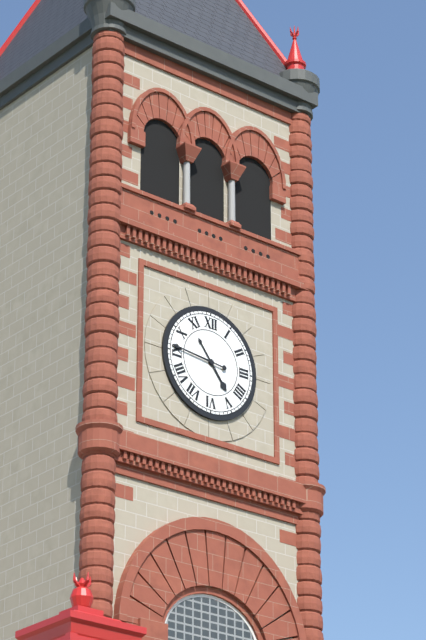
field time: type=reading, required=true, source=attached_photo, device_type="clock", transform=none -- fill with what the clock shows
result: 4:46
